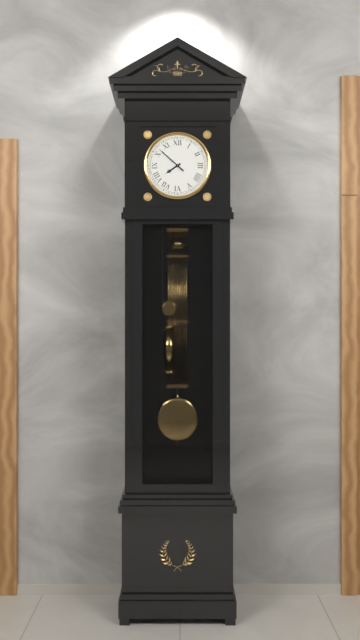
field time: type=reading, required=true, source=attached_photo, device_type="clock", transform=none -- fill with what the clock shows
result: 7:52
